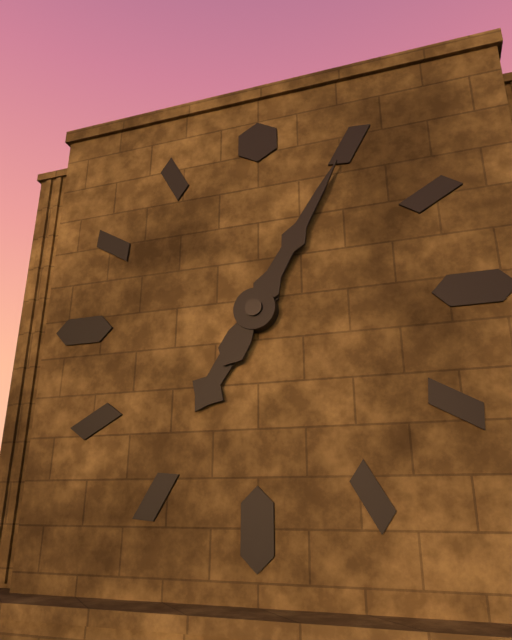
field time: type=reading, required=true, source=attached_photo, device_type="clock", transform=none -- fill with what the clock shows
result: 7:05
